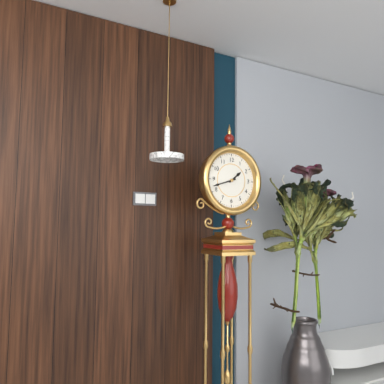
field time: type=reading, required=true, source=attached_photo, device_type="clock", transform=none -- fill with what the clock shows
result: 1:42
